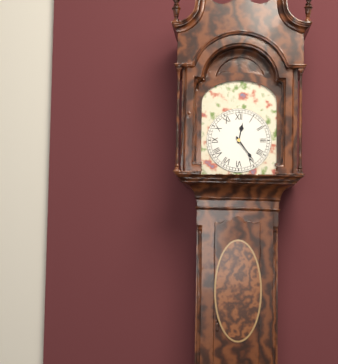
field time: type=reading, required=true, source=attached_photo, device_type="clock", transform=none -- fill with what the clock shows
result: 12:24
